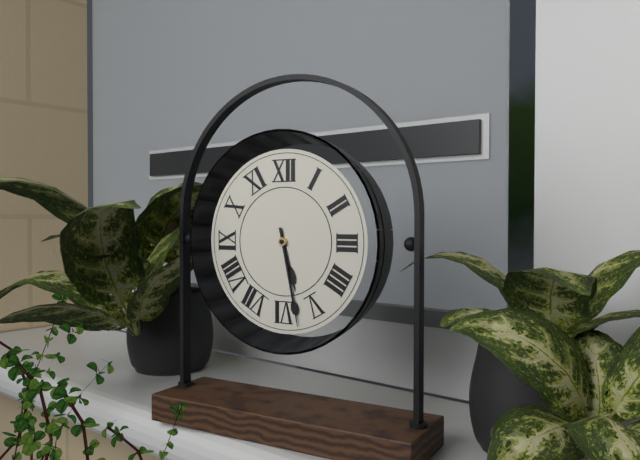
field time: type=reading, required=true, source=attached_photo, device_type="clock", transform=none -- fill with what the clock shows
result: 5:28
